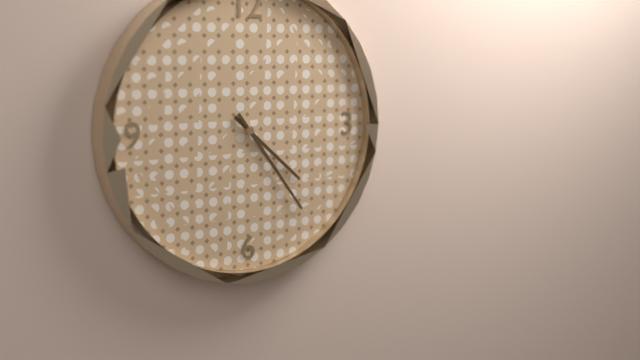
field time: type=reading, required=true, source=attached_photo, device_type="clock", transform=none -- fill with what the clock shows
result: 4:24
